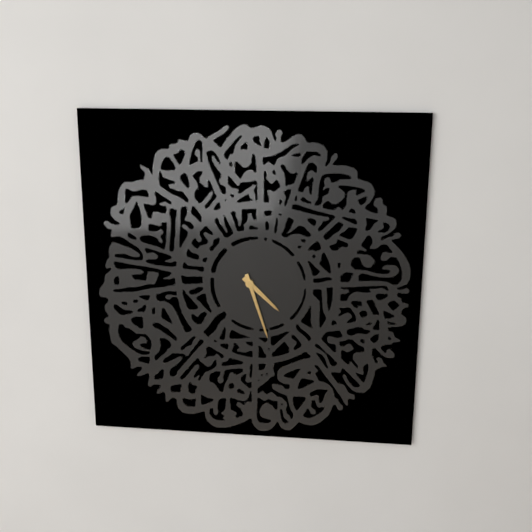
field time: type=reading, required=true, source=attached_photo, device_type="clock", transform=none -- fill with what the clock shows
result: 4:27
